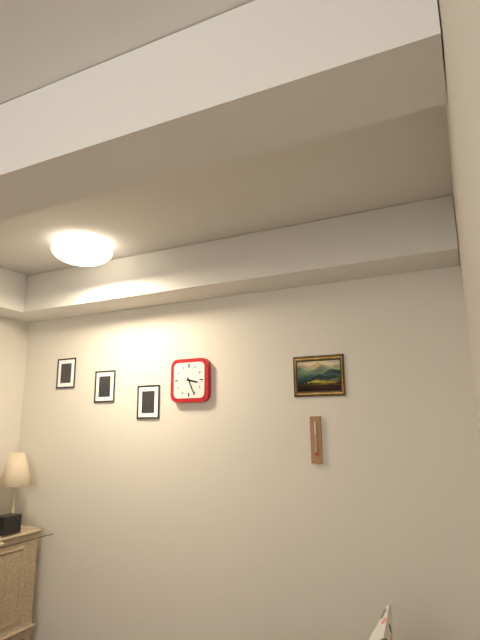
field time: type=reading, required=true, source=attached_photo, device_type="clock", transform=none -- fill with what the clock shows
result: 3:26
